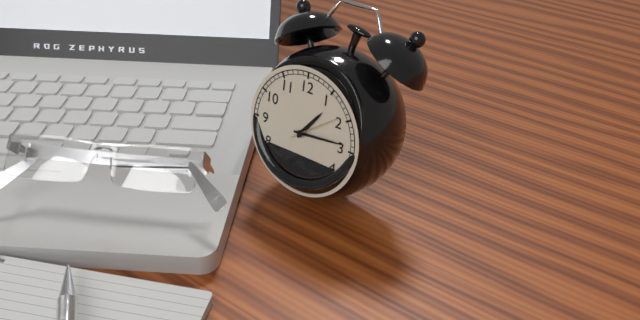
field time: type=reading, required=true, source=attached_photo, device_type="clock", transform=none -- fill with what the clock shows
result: 1:14:09
